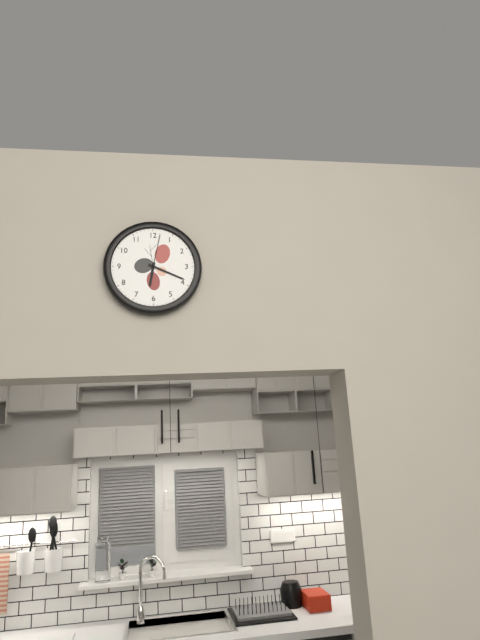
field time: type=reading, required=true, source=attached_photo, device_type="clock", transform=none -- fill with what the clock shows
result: 6:19
